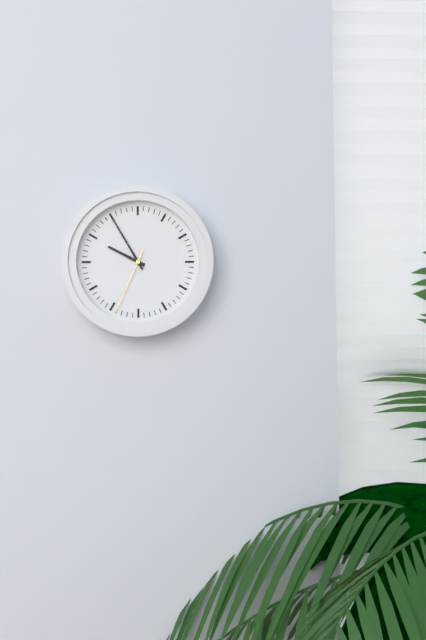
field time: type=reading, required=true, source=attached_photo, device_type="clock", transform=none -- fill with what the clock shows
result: 9:55:34
